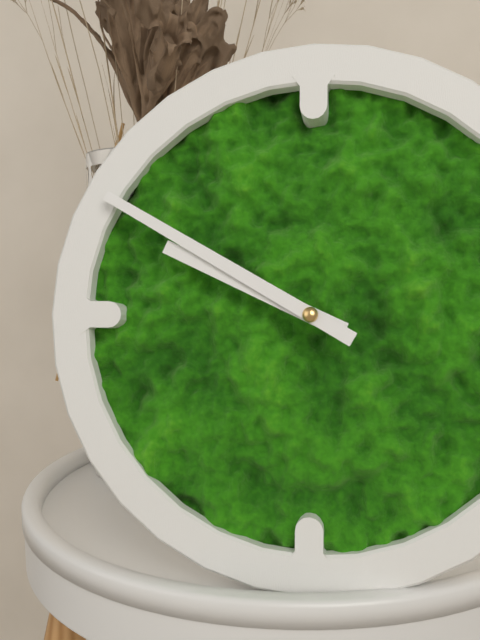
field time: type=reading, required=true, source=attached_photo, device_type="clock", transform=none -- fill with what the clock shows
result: 9:50
